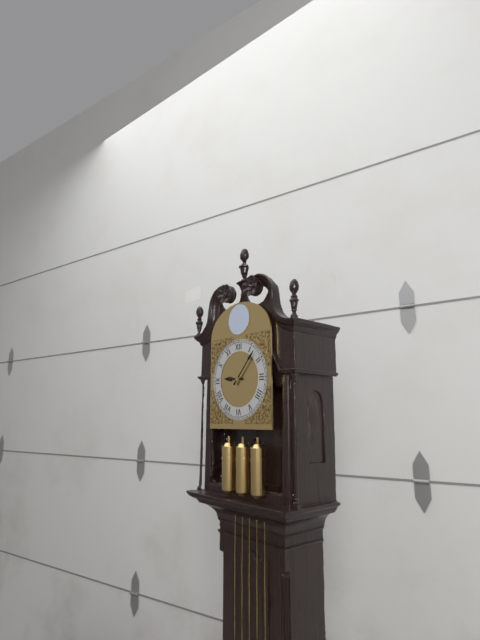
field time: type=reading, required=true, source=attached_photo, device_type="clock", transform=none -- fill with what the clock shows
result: 9:07
